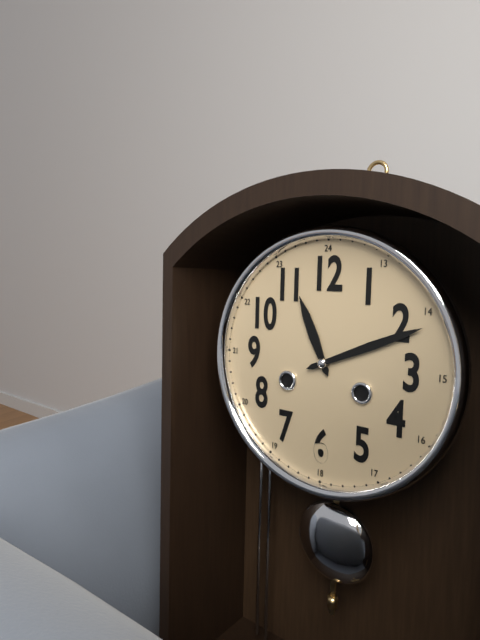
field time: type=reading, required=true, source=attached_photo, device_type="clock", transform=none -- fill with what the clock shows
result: 11:11
